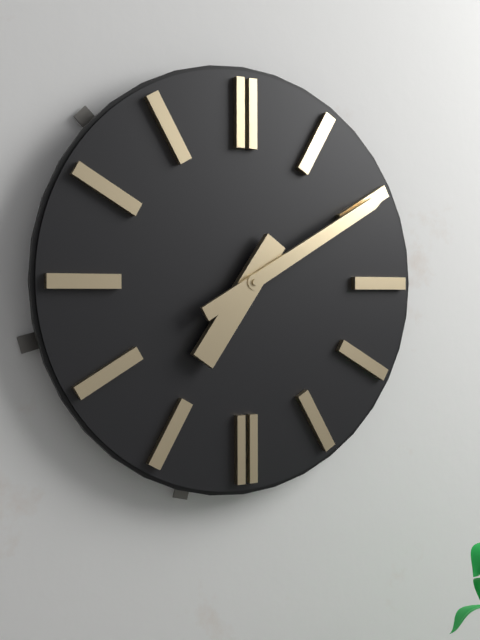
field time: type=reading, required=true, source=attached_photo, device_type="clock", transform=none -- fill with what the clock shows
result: 7:10
